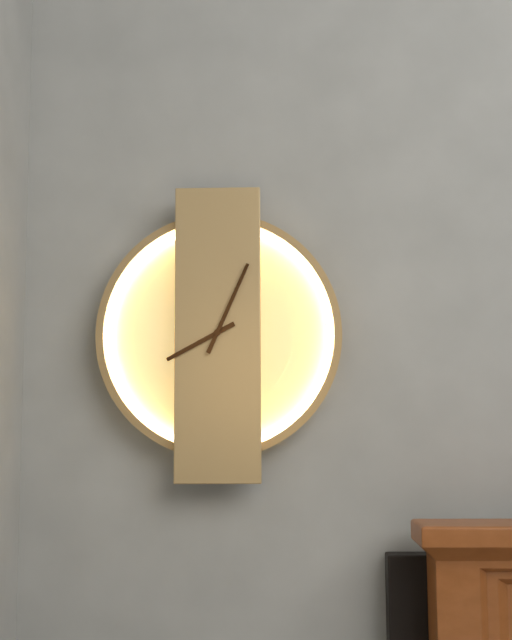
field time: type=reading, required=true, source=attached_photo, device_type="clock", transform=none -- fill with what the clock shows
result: 8:04
